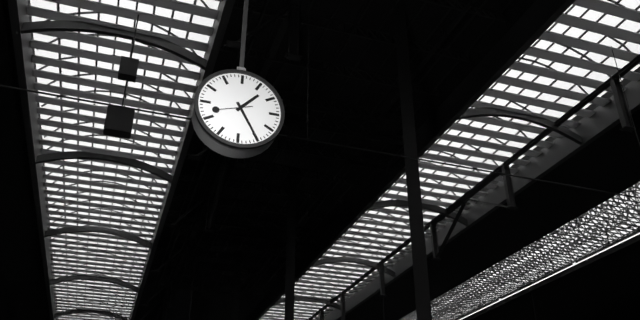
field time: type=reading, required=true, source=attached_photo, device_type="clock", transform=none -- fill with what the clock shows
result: 1:25
